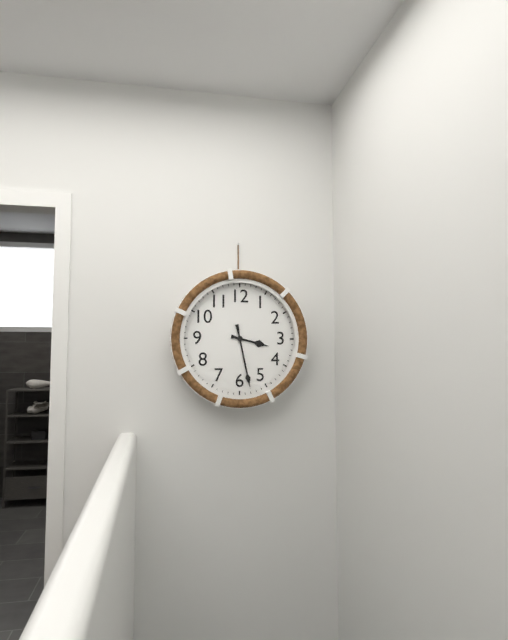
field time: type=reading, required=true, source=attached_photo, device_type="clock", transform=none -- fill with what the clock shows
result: 3:28
